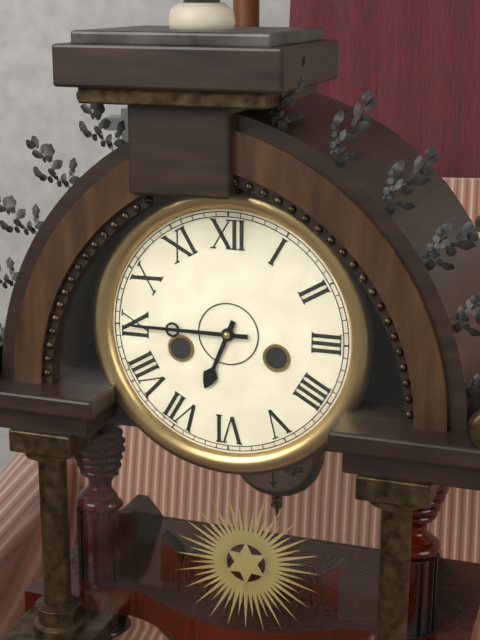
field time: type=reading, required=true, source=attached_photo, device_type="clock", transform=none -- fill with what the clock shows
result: 6:45
